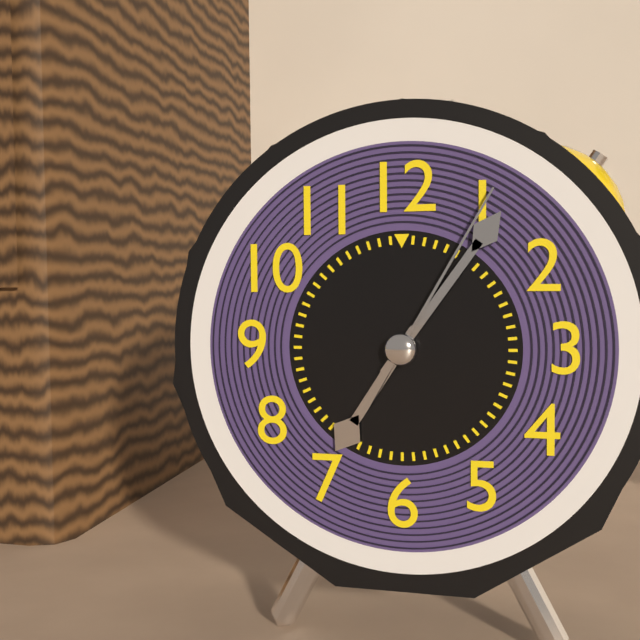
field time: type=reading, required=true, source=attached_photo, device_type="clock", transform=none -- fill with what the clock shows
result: 7:06:05
